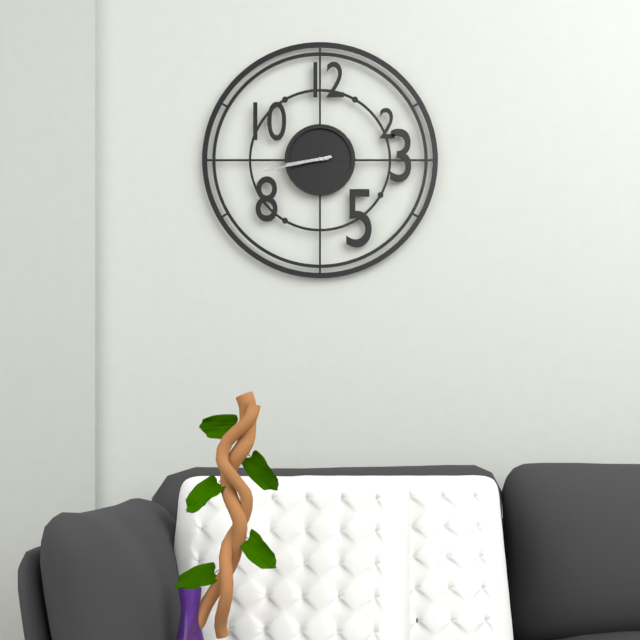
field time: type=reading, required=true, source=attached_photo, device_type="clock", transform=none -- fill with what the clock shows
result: 8:43
